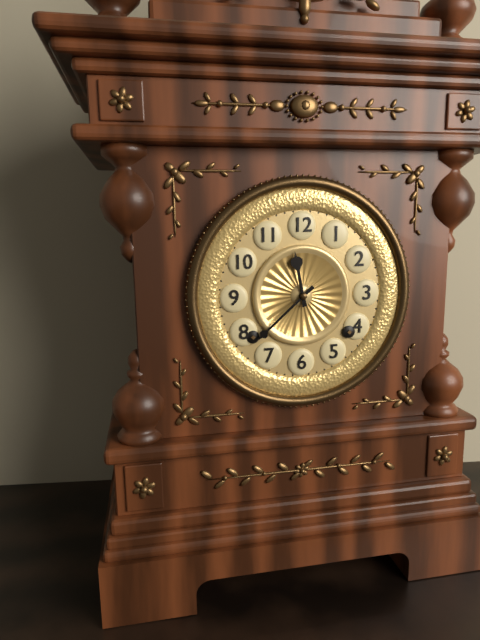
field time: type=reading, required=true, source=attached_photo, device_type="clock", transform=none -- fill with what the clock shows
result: 11:38
